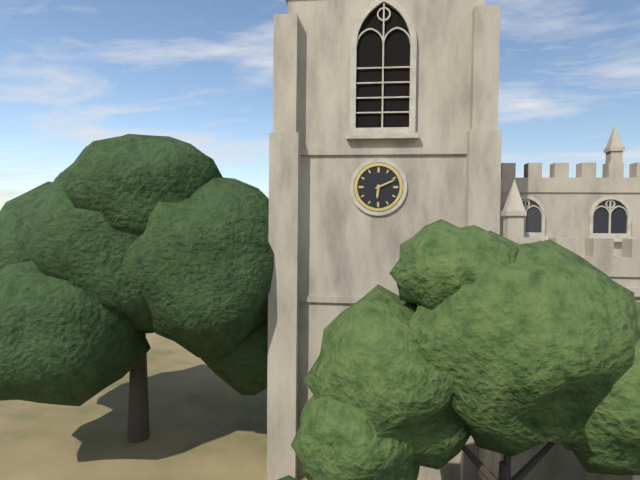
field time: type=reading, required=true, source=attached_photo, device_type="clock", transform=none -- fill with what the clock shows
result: 6:11
